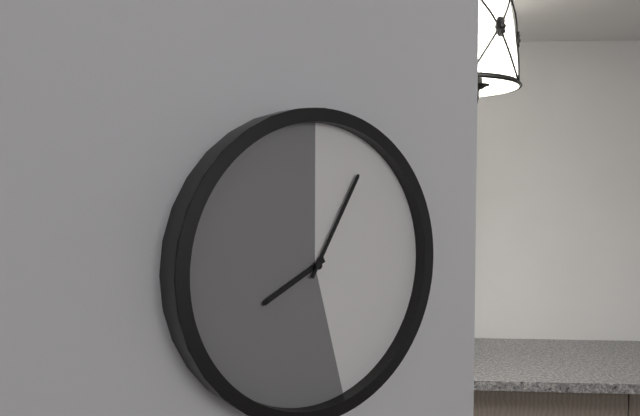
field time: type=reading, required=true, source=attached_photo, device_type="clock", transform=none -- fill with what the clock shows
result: 8:05
